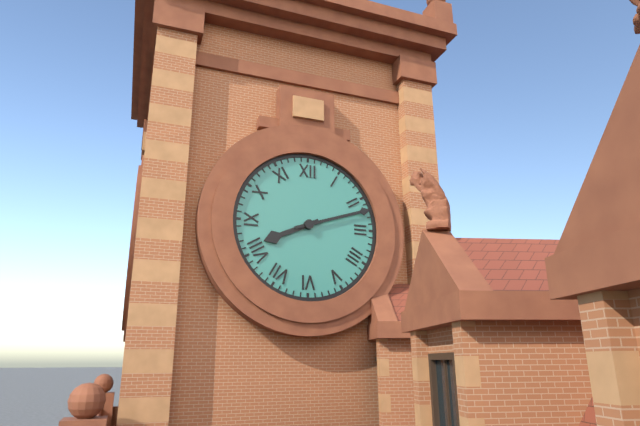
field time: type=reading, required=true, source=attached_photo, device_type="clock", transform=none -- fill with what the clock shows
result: 8:12
